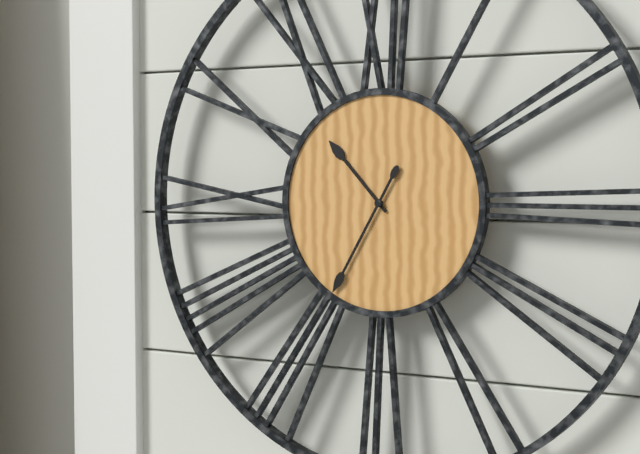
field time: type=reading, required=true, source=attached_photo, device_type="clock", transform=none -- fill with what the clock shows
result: 10:35
